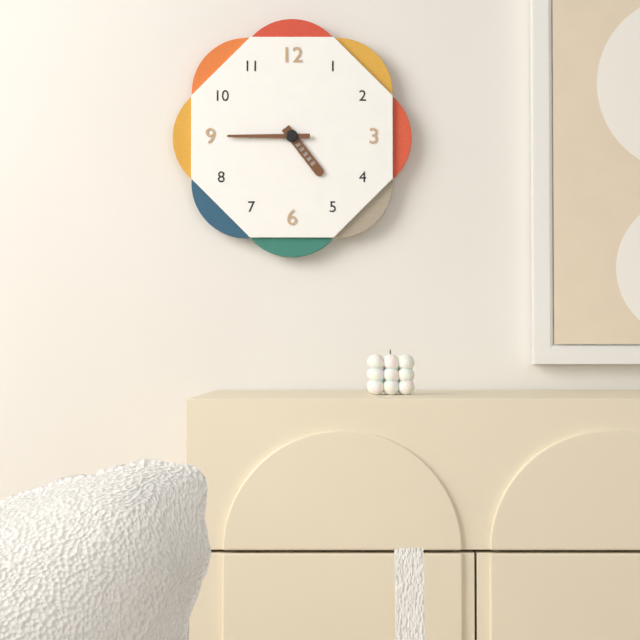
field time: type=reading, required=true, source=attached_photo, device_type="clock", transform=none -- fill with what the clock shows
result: 4:45
